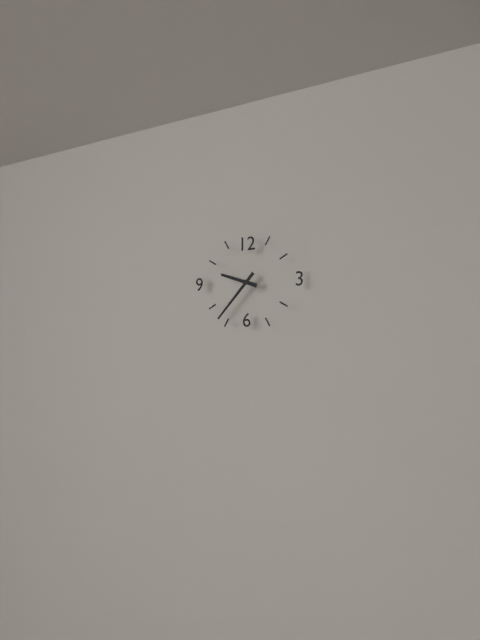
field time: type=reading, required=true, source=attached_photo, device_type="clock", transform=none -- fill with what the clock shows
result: 9:37
